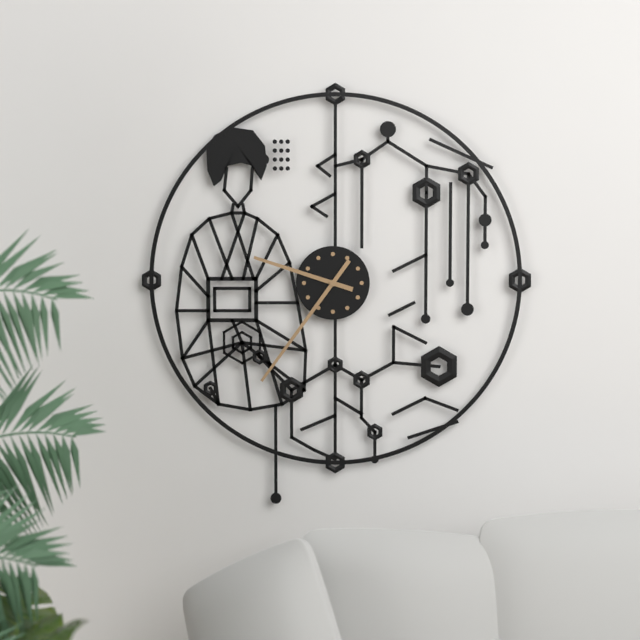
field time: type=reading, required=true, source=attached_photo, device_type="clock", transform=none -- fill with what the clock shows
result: 9:36
